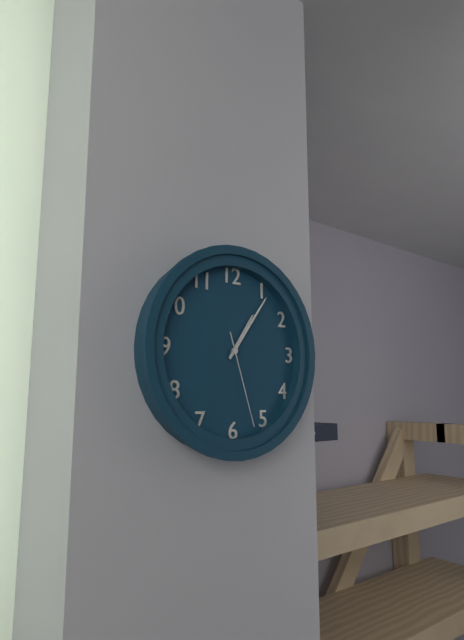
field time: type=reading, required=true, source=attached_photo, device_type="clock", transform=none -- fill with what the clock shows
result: 1:06:27
